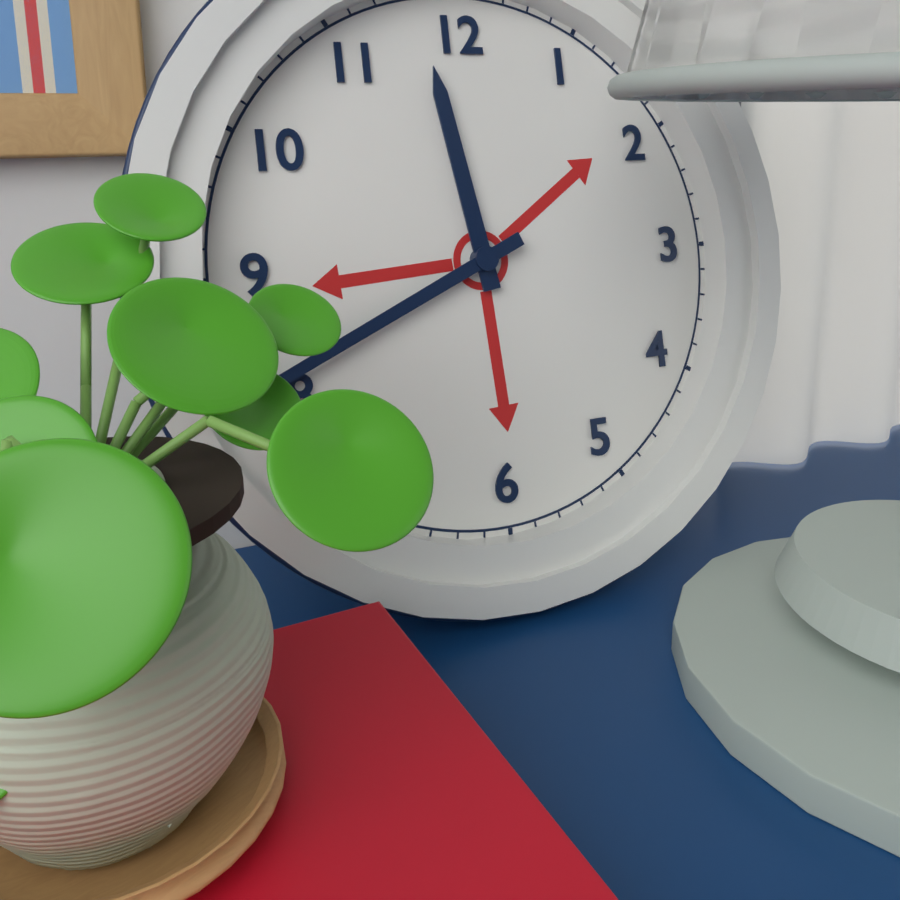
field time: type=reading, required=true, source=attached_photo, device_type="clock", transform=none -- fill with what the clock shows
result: 11:41
